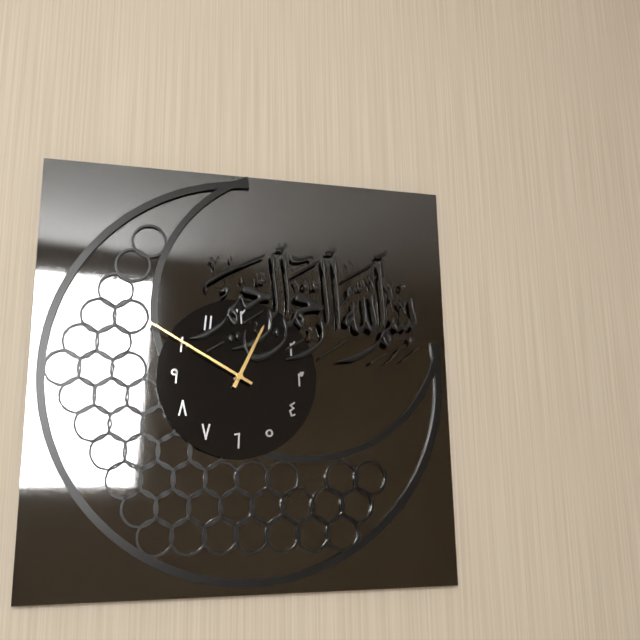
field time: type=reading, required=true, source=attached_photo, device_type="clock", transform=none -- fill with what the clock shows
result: 12:50
